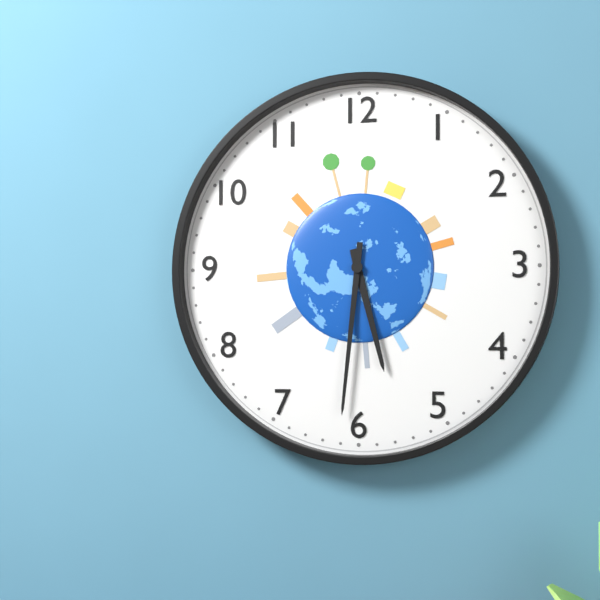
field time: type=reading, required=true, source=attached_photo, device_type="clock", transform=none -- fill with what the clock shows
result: 5:31
